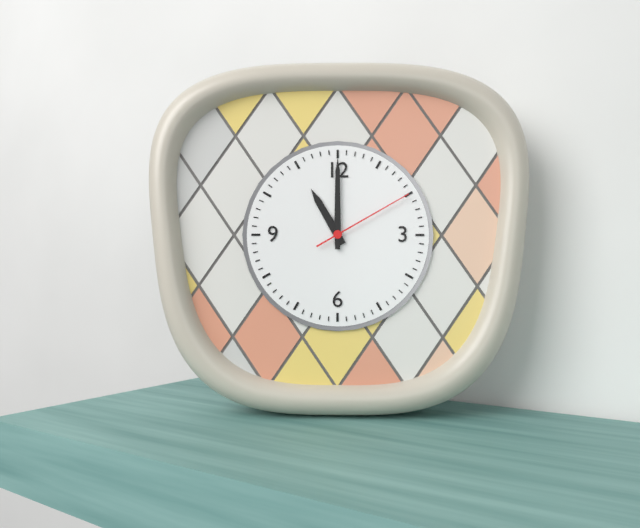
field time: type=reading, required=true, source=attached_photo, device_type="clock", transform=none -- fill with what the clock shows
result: 11:00:10
